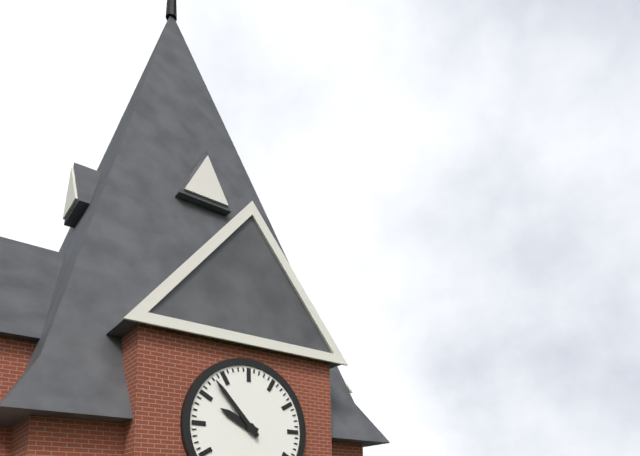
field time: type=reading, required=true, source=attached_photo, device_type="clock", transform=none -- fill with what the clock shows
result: 9:53
